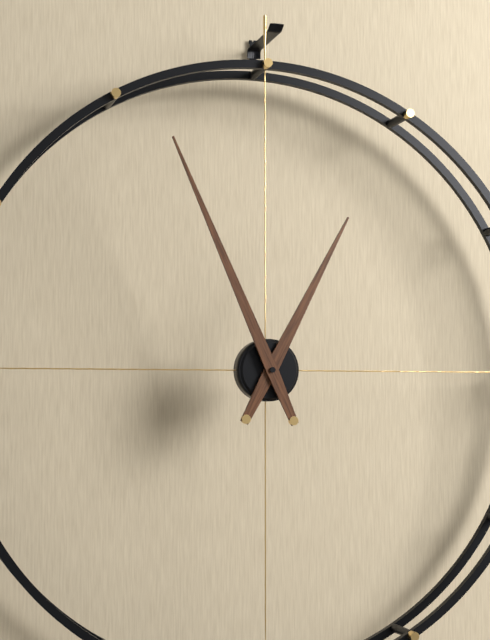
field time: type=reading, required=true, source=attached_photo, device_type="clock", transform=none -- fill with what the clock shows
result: 12:56
